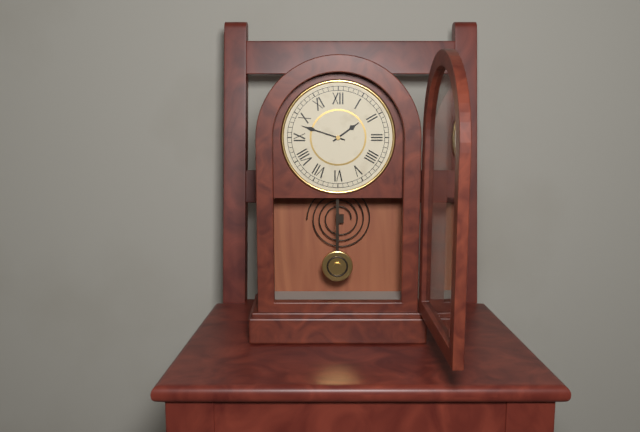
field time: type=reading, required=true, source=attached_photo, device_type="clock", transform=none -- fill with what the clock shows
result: 1:48
